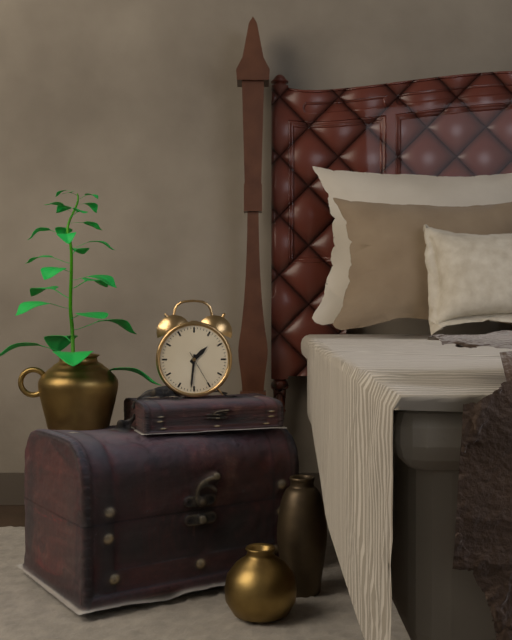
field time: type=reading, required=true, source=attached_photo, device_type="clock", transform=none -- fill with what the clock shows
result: 1:31
